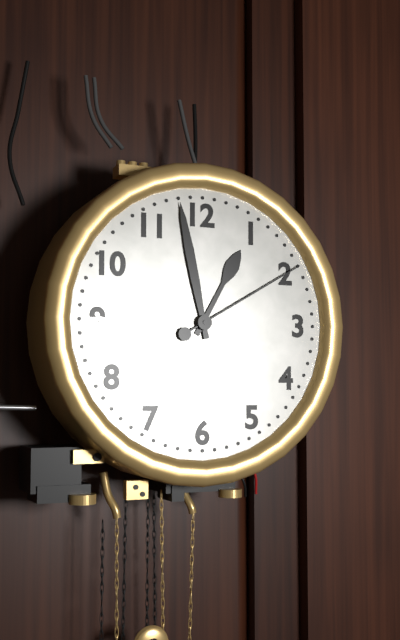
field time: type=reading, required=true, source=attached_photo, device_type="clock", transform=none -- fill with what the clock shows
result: 12:58:10
